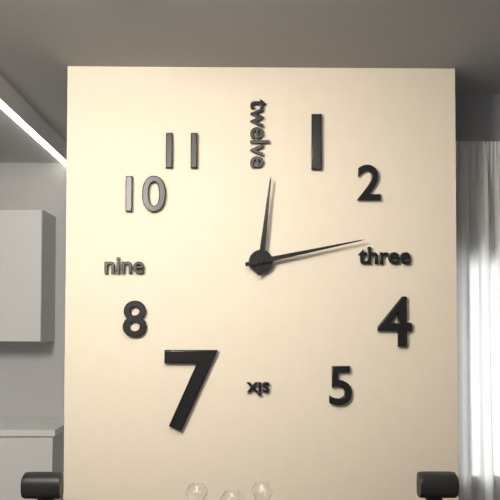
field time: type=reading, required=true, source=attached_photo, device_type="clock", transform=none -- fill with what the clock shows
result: 12:13
